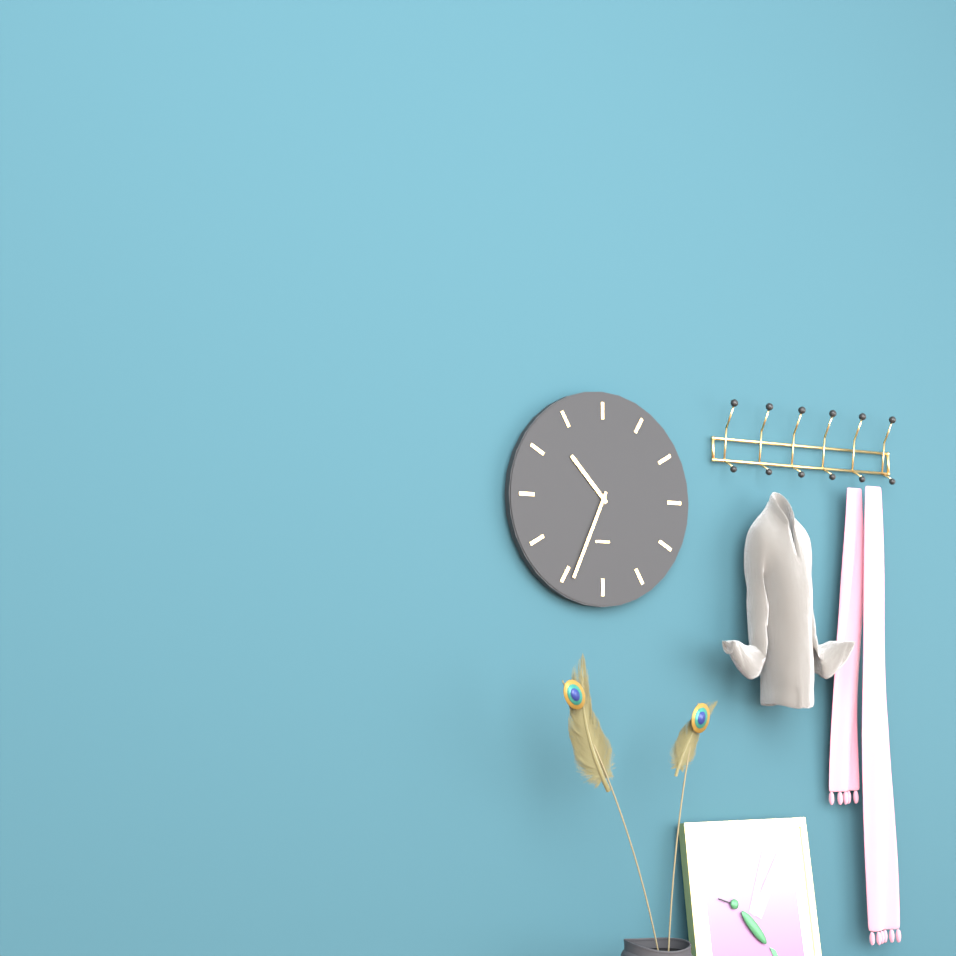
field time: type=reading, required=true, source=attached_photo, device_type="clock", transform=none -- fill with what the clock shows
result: 10:34
